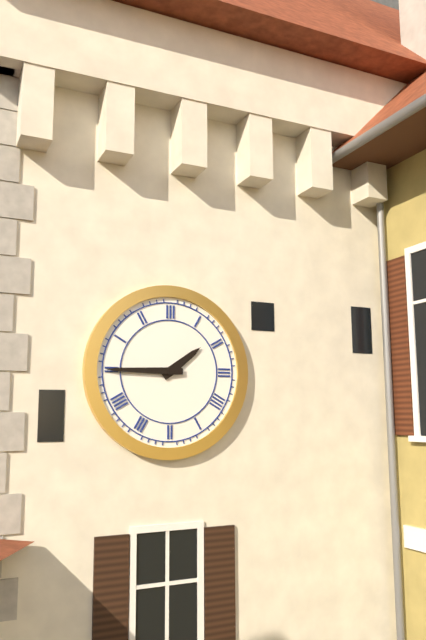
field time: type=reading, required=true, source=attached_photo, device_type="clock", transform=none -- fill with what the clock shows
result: 1:45
